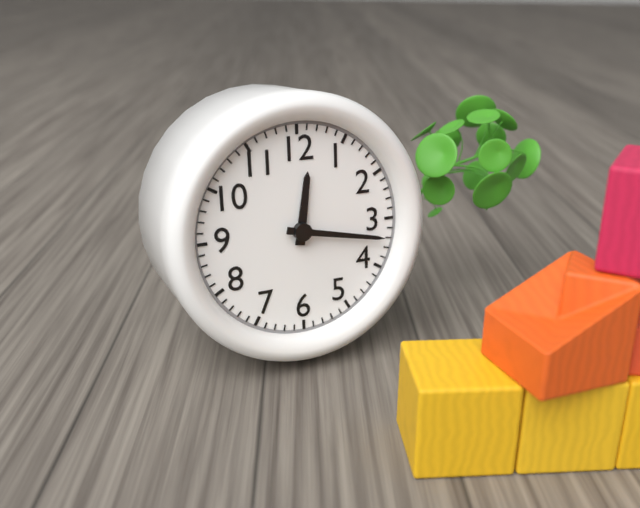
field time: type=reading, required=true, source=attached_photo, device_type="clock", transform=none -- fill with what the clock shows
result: 12:17
